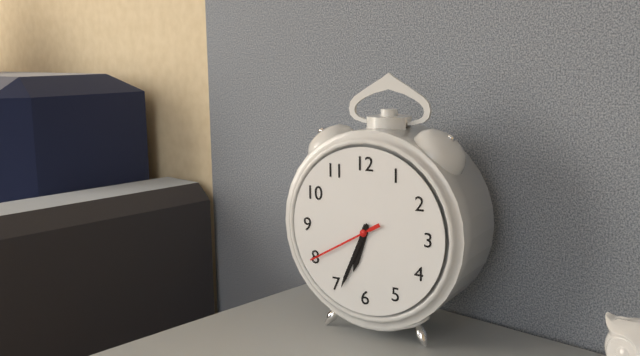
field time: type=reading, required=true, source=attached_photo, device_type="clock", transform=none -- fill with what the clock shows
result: 6:34:40
